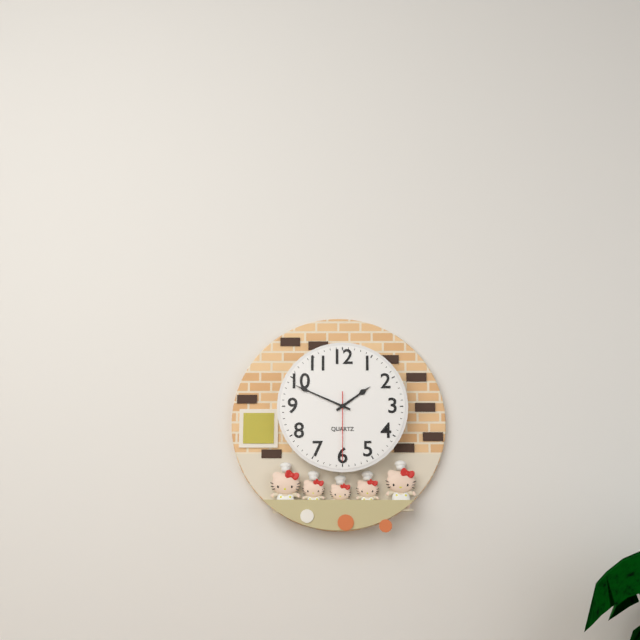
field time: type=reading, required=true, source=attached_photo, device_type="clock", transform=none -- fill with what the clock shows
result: 1:49:30
